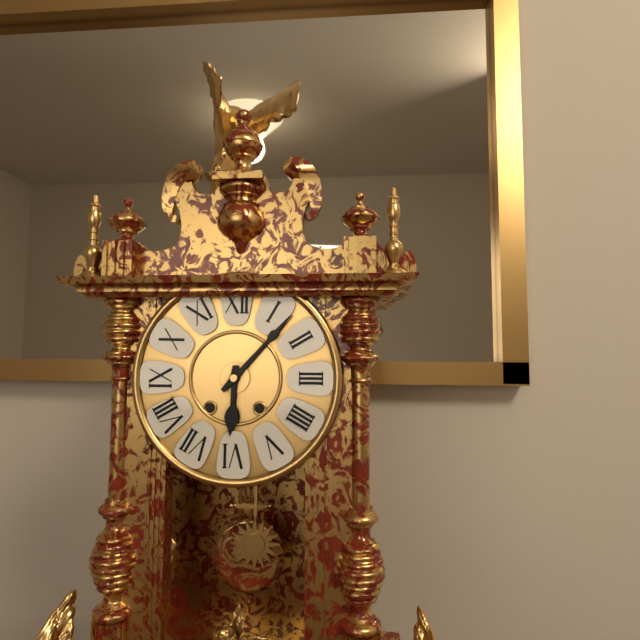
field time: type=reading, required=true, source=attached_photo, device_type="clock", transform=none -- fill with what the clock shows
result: 6:07
